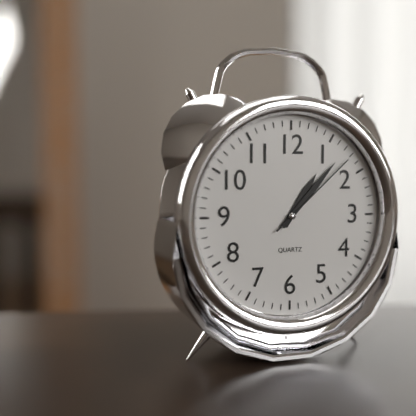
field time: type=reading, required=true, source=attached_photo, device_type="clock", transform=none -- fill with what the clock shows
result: 1:07:08
